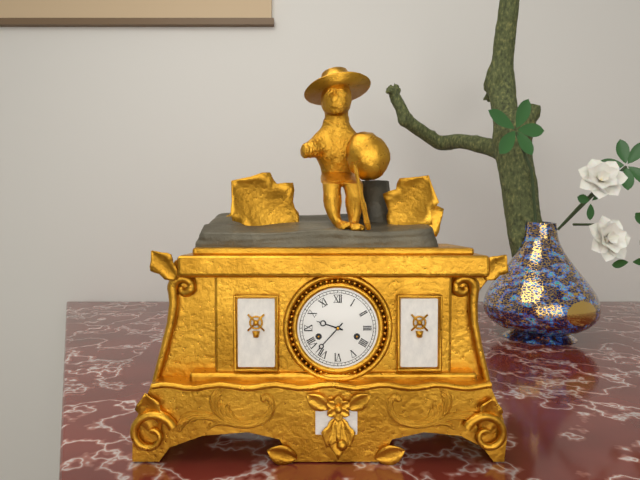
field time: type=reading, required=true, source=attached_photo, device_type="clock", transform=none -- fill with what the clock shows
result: 9:37
